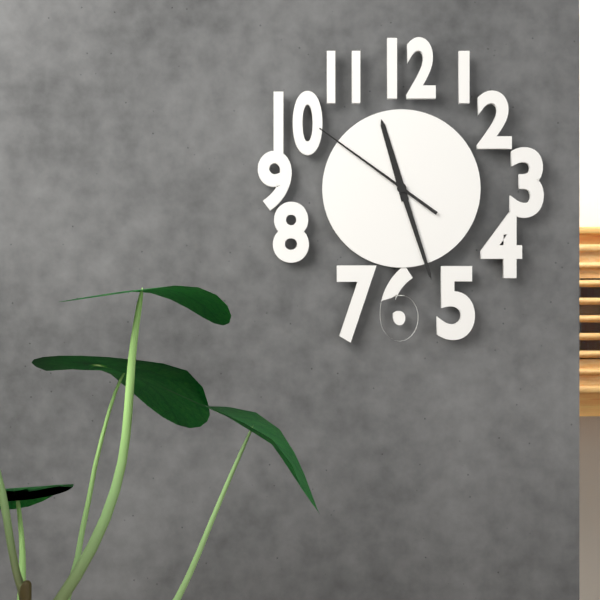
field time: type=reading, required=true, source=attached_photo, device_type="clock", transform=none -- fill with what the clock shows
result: 11:27:51
